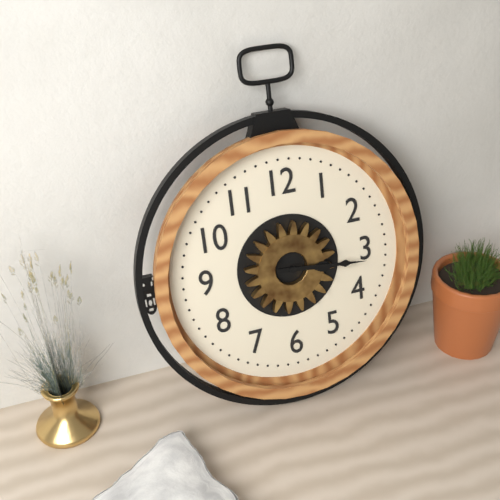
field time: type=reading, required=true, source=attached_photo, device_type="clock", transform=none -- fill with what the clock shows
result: 3:16
